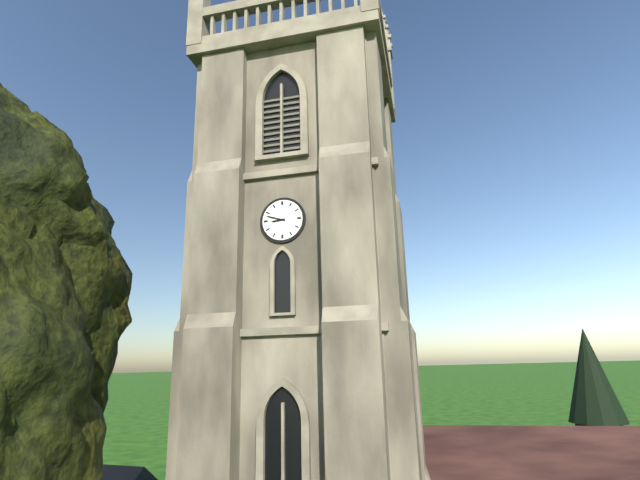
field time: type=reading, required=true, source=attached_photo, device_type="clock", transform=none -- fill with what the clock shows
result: 8:48
